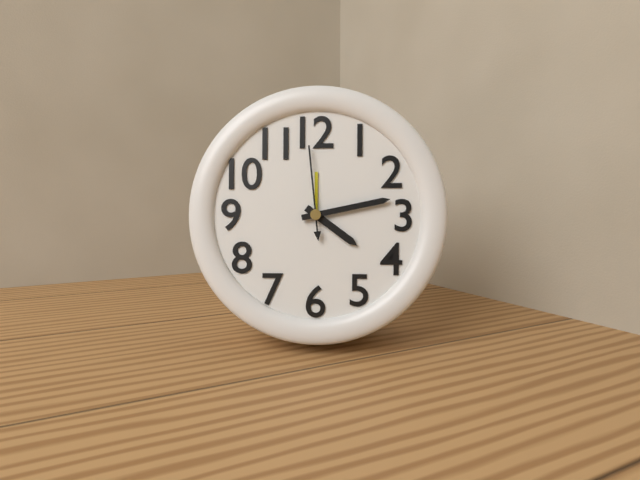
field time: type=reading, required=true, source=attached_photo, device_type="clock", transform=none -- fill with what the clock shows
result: 4:13:59
